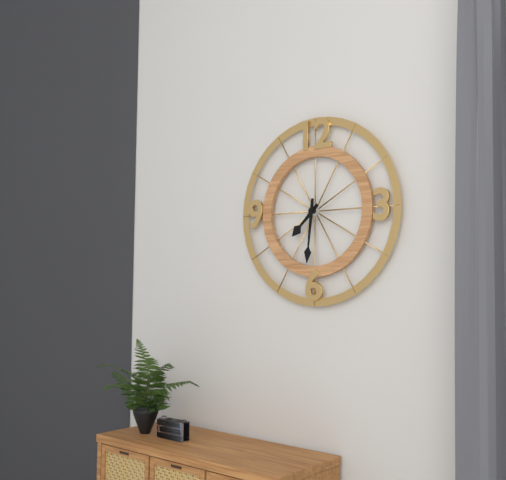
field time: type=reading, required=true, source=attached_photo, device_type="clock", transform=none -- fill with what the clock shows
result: 7:31
